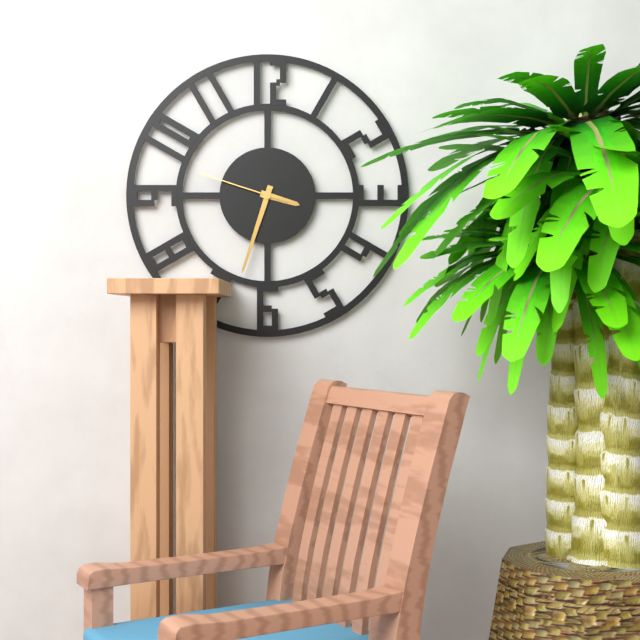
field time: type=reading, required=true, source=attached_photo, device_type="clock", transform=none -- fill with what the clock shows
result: 3:33:48
